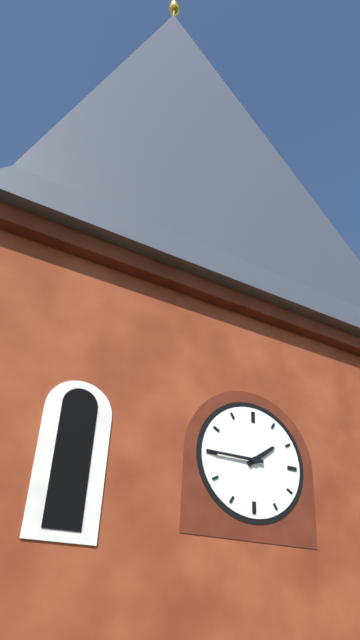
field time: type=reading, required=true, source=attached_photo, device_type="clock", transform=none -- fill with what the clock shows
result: 1:45
